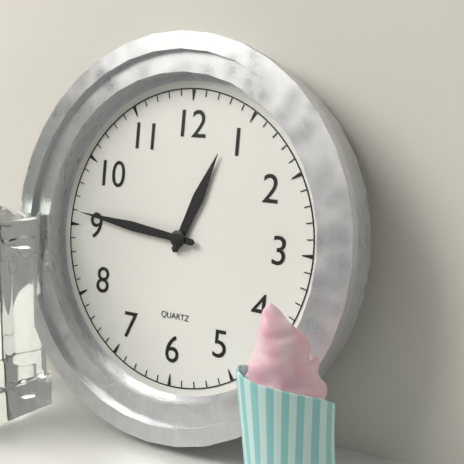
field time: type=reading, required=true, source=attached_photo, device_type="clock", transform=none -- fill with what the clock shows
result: 12:46
